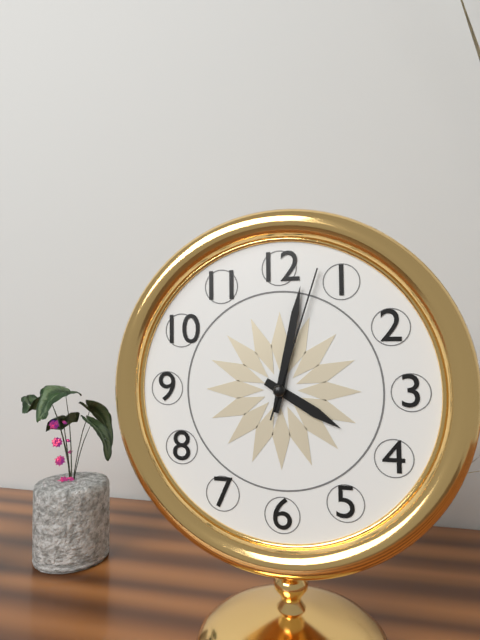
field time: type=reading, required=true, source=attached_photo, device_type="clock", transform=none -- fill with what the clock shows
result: 4:02:03
